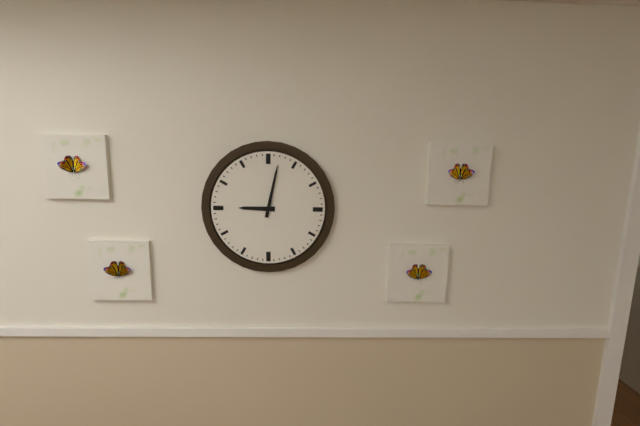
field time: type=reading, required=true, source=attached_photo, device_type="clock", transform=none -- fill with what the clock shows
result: 9:02
